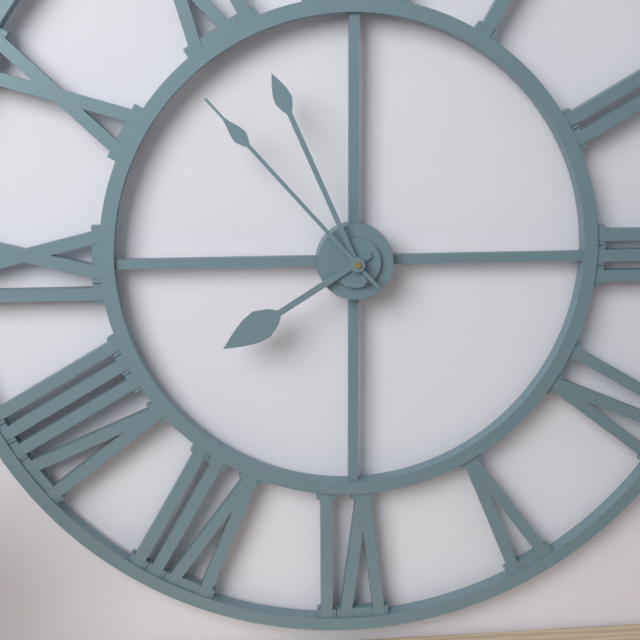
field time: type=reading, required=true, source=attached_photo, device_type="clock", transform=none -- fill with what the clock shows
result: 7:56:53
